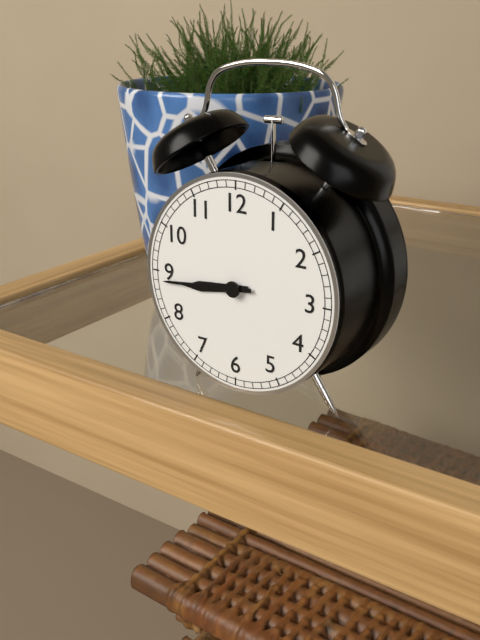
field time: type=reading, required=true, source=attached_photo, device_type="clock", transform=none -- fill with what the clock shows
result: 8:44
